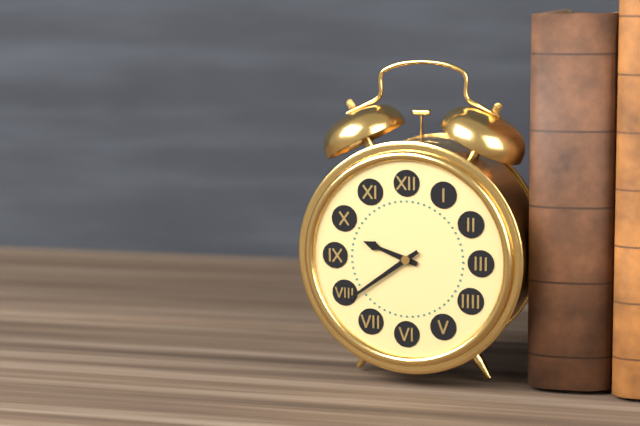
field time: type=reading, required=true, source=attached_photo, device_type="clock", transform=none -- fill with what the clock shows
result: 9:39
